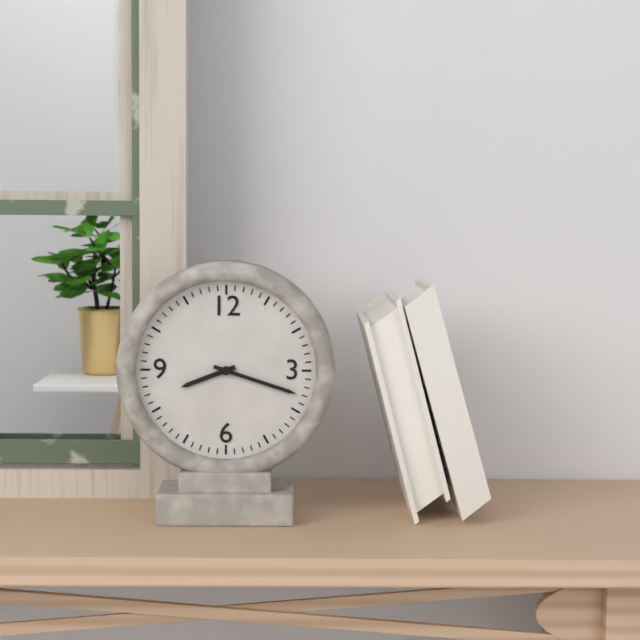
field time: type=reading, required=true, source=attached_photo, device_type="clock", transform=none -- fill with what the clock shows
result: 8:18
